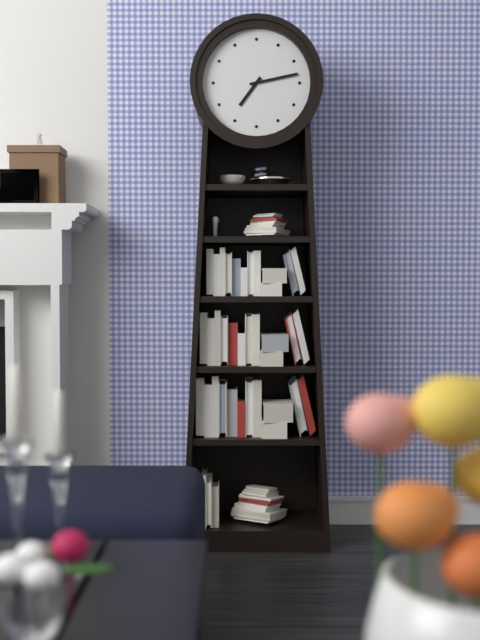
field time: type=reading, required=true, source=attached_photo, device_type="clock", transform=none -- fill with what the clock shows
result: 7:13
